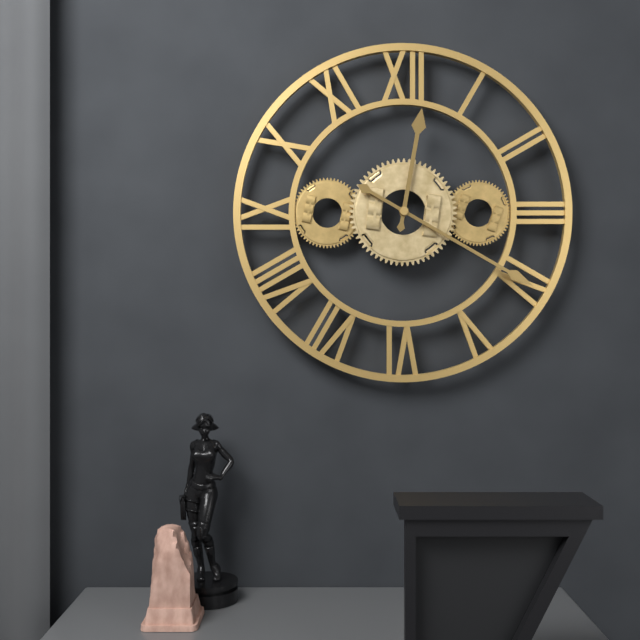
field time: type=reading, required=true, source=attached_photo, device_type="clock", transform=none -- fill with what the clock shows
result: 12:20
